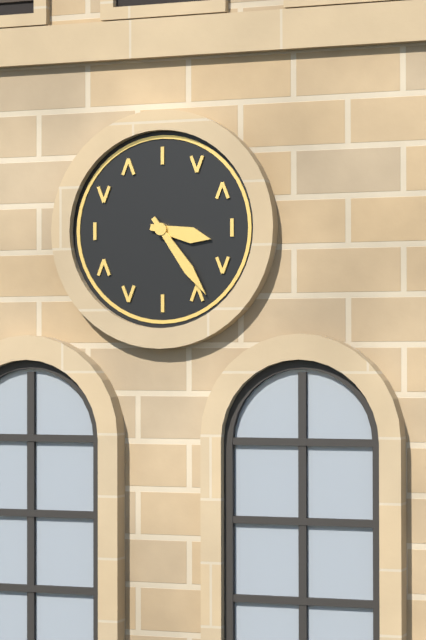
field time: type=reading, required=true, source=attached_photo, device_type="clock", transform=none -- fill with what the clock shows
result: 3:24
